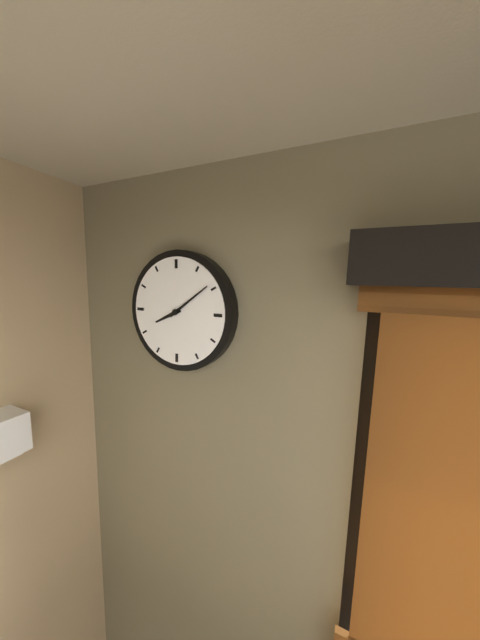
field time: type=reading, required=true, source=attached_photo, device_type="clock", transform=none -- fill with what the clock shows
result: 8:09
